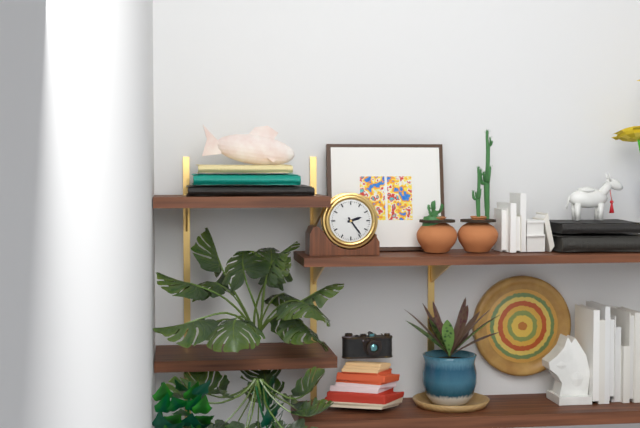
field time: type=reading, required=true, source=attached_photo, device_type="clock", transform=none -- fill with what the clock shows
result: 2:24
